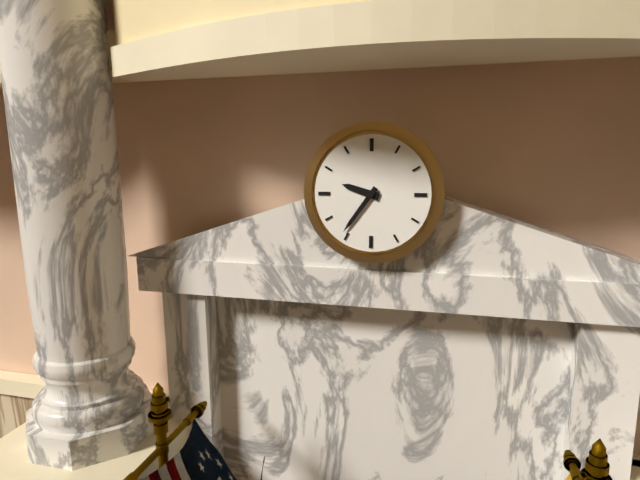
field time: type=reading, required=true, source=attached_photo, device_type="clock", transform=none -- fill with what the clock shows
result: 9:36
